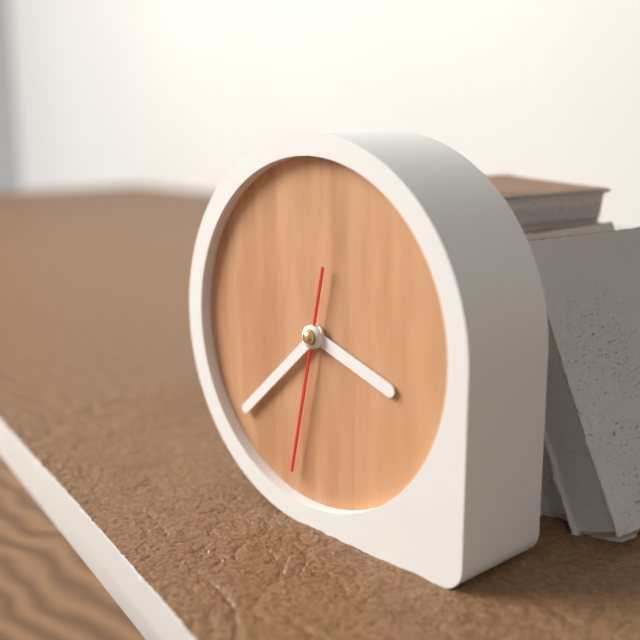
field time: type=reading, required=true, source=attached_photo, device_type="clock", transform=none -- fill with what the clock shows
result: 3:38:32
